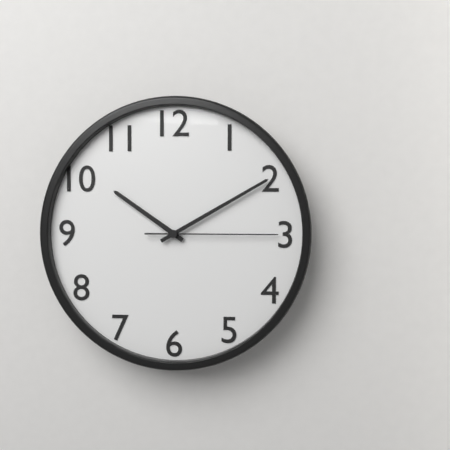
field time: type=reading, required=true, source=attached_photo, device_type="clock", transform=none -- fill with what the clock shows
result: 10:10:15
